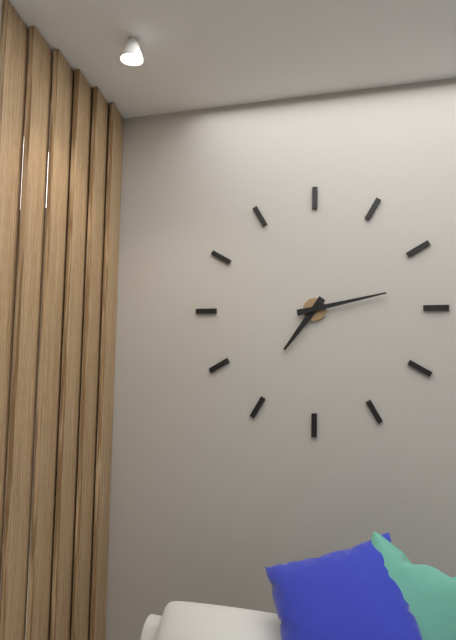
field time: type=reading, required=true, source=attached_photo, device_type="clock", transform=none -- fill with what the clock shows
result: 7:13
